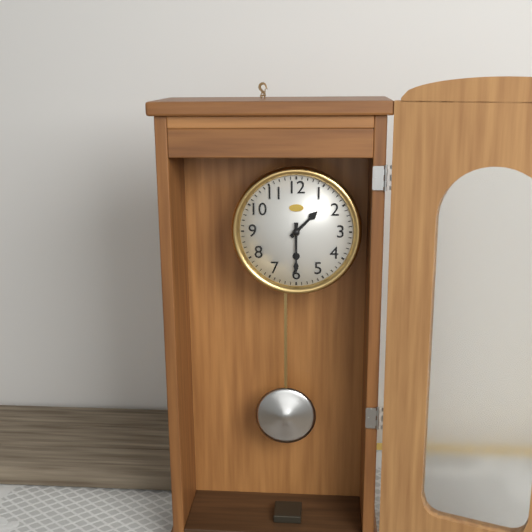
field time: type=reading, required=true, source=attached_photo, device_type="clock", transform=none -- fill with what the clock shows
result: 1:30
